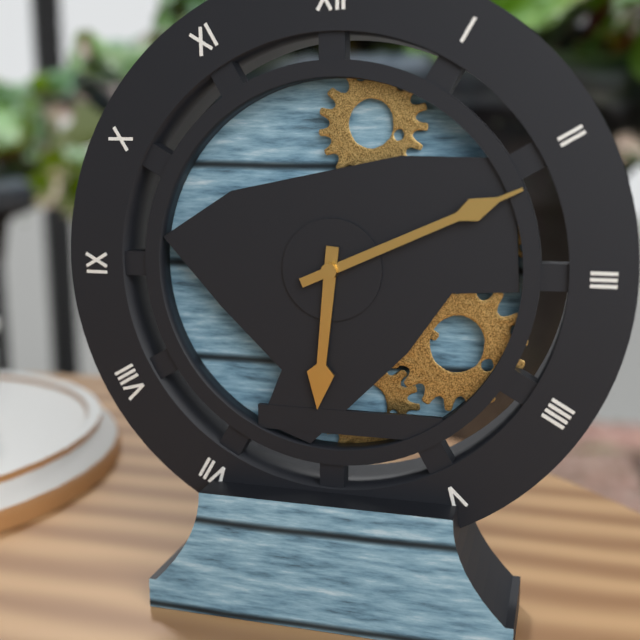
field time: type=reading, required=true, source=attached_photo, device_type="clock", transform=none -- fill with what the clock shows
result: 6:11
